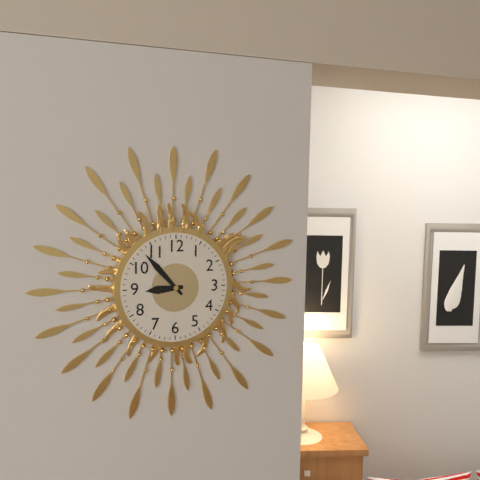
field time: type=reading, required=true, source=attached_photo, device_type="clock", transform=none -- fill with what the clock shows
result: 8:53
